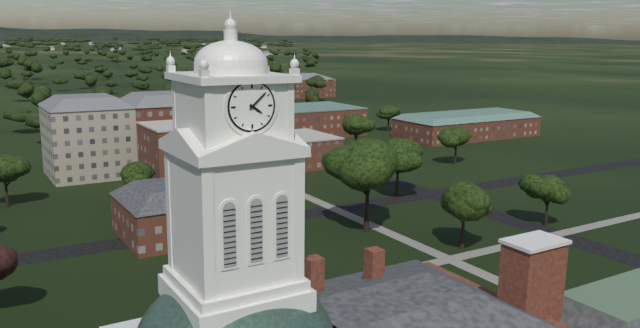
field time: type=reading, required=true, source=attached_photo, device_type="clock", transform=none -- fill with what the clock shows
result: 4:08
